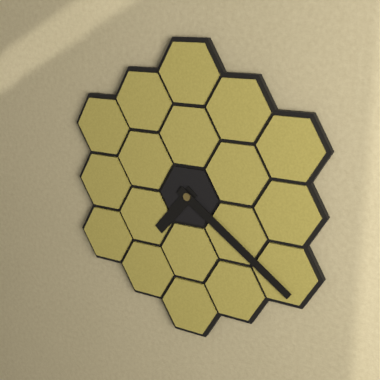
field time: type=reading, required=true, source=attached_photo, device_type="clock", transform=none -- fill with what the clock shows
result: 7:21
